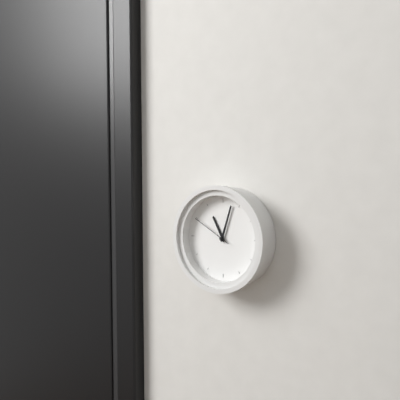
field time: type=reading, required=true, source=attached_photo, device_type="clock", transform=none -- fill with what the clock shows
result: 11:03
